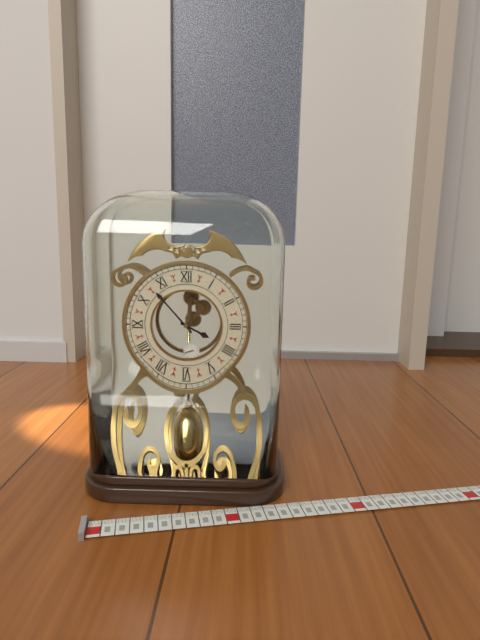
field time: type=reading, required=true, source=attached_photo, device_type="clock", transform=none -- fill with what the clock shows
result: 3:53
